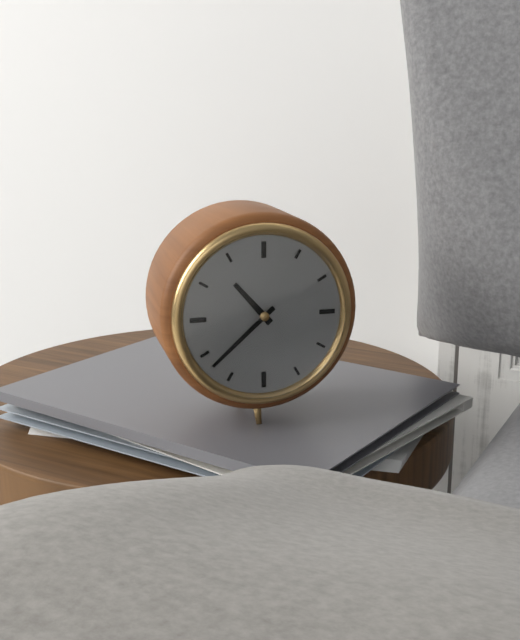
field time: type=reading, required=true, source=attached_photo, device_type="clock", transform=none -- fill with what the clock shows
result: 10:38
